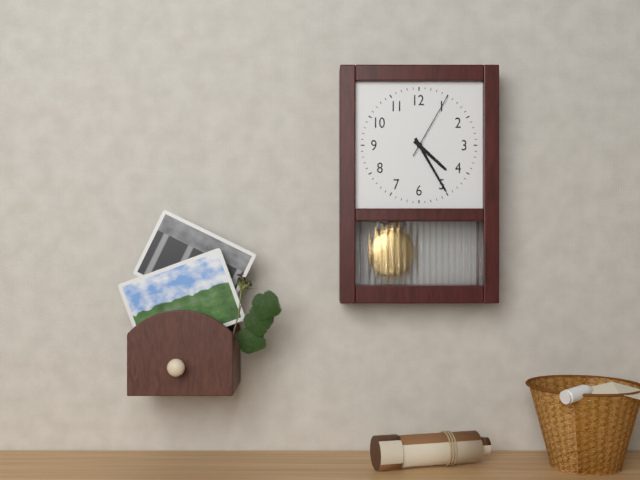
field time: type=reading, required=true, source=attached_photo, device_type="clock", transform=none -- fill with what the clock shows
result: 4:25:05
